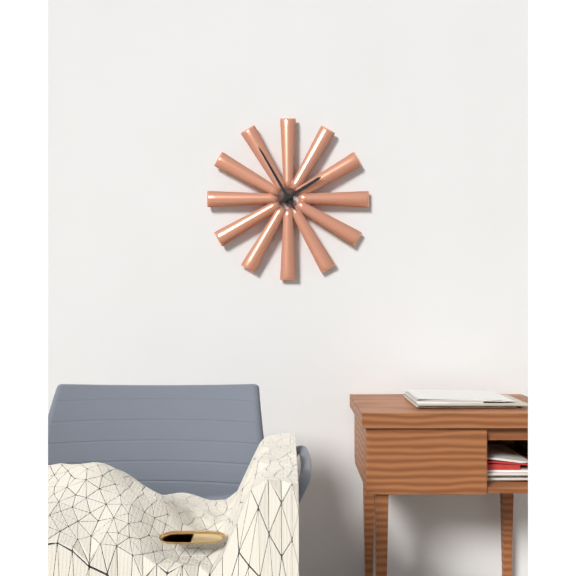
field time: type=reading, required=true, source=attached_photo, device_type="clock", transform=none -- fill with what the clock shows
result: 1:55
